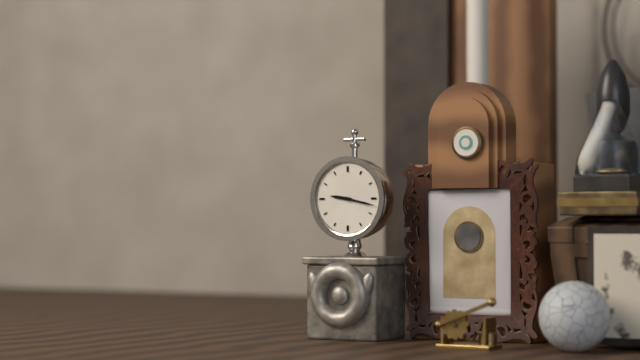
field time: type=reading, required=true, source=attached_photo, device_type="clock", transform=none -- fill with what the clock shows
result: 9:17
